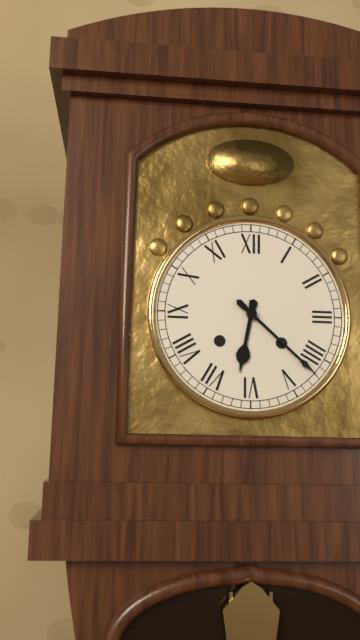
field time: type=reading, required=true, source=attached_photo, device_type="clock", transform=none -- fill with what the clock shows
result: 6:22
